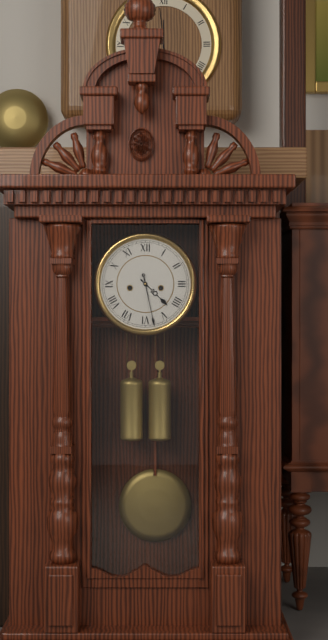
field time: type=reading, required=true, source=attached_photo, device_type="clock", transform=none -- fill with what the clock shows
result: 4:28
